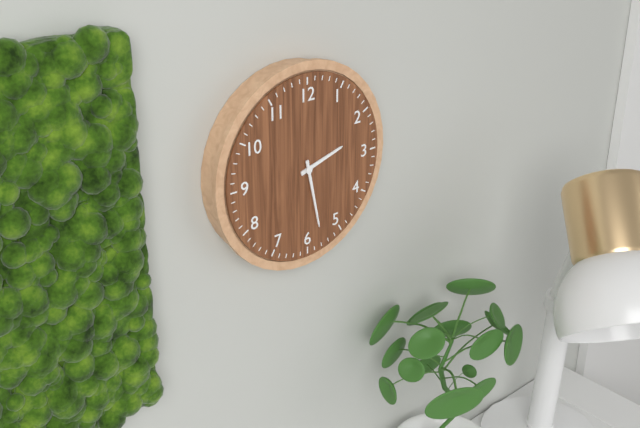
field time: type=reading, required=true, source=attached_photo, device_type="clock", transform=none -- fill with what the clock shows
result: 2:28
